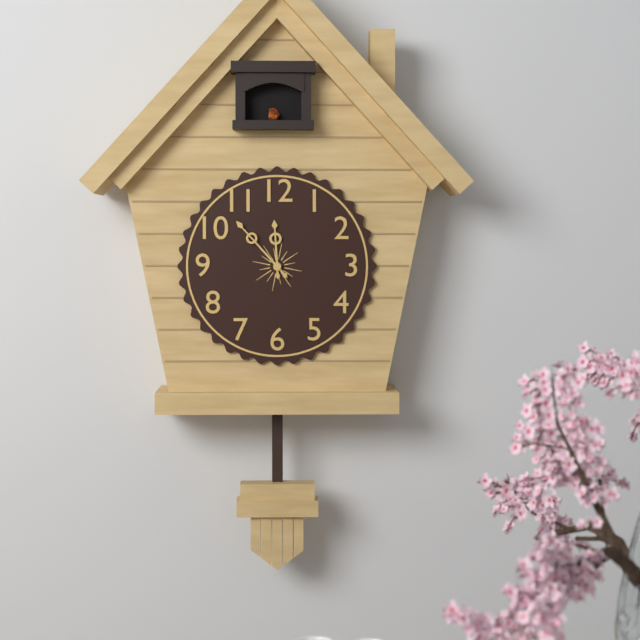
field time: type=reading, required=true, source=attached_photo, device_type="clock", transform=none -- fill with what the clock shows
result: 11:53
